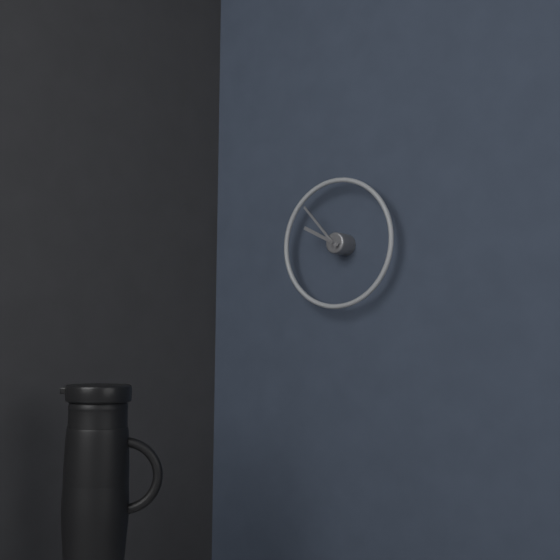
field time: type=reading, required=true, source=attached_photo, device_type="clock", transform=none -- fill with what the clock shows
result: 9:53
